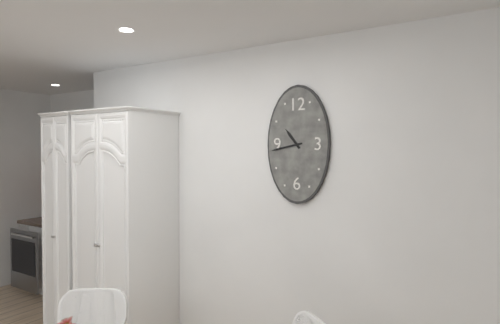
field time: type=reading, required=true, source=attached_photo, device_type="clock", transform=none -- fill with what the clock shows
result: 10:43
